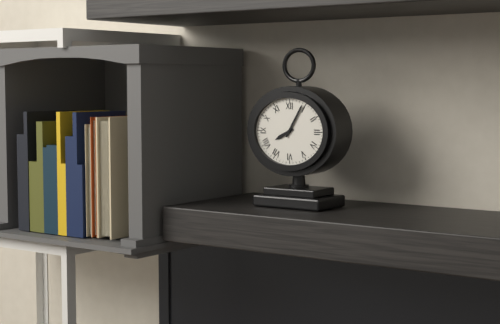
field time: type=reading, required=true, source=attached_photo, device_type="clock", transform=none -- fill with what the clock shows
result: 8:05
